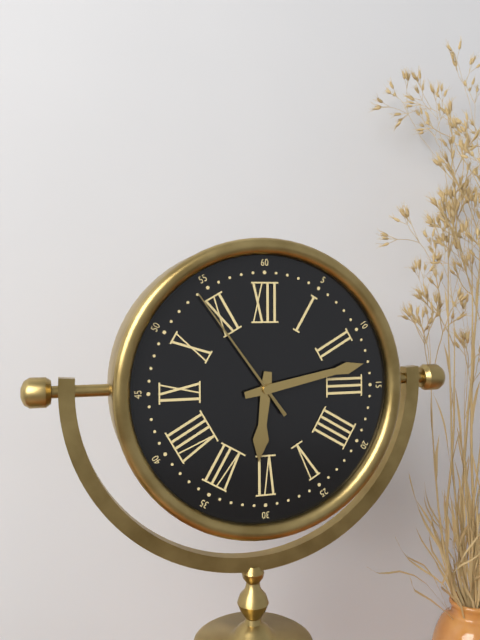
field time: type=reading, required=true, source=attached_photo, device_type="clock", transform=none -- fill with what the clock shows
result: 6:13:54
